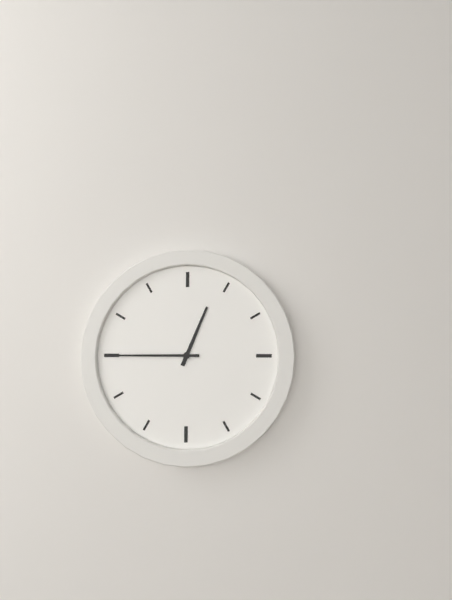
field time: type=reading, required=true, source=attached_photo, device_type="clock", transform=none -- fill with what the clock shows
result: 12:45
